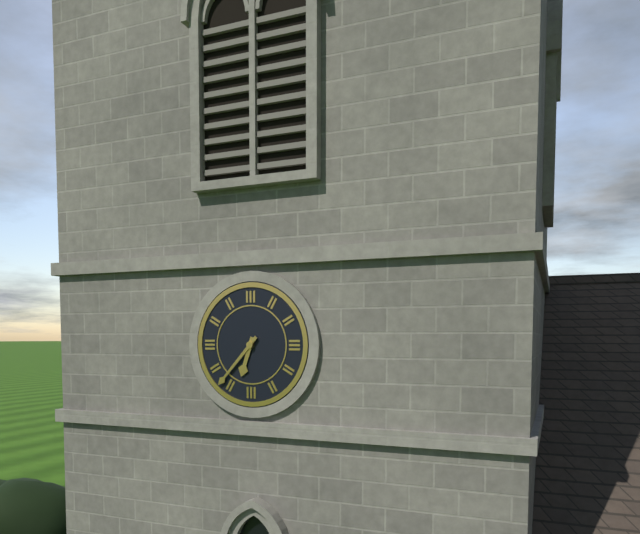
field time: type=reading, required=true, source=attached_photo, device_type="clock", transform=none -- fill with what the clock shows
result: 6:37
